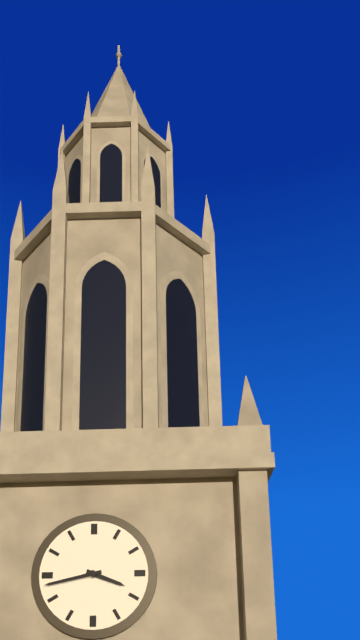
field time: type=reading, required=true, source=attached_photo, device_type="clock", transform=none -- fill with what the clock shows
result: 3:43
